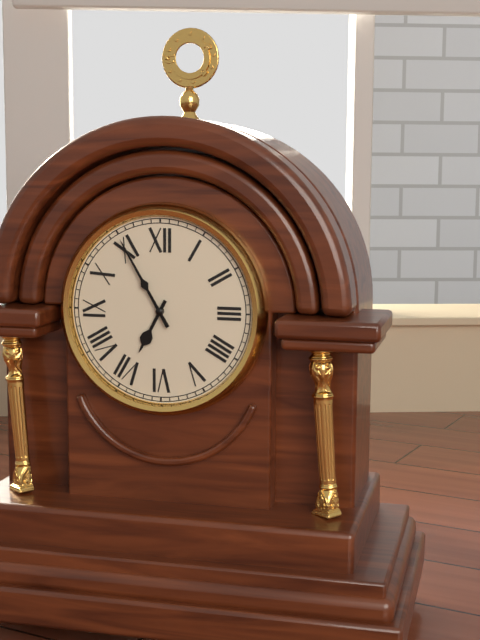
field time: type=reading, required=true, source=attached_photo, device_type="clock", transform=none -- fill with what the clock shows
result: 6:55
